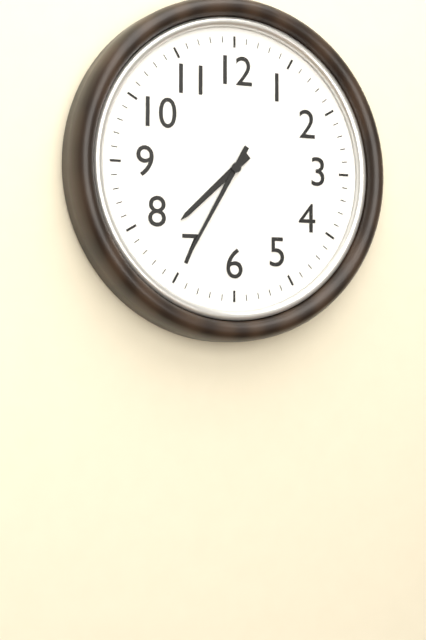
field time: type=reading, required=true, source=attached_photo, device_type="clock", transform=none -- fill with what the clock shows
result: 7:35
